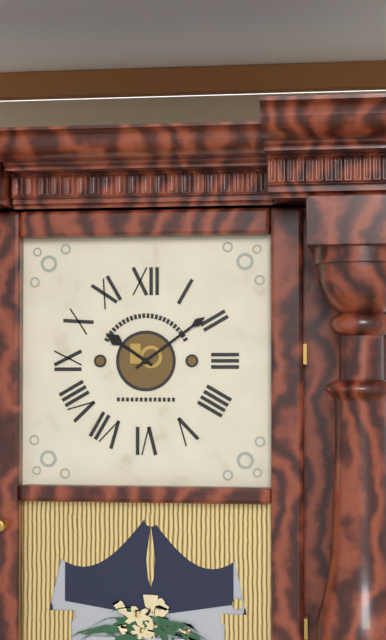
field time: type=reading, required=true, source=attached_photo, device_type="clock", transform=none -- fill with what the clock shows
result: 10:09
